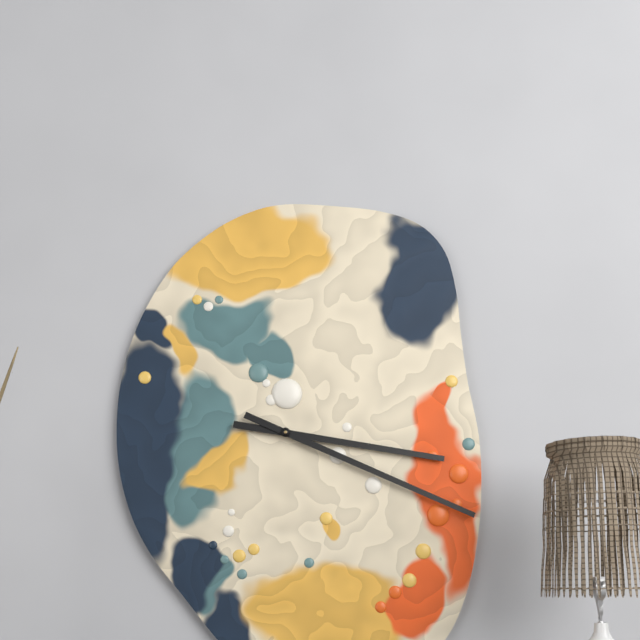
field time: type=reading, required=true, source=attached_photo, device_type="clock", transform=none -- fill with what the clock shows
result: 3:19
